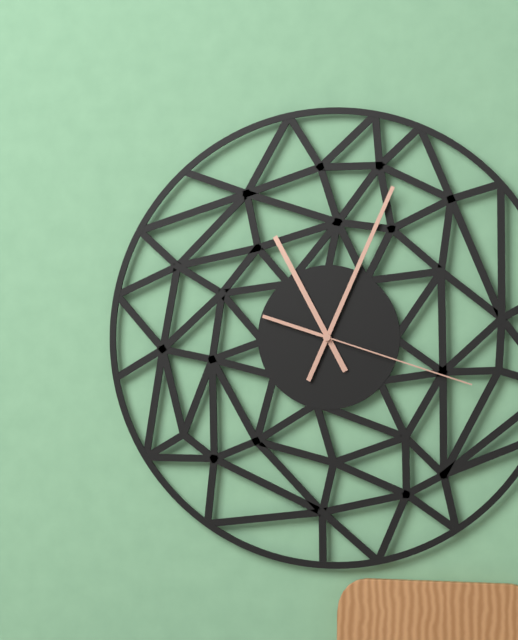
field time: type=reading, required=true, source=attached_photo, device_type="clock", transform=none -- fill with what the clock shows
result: 11:04:18
